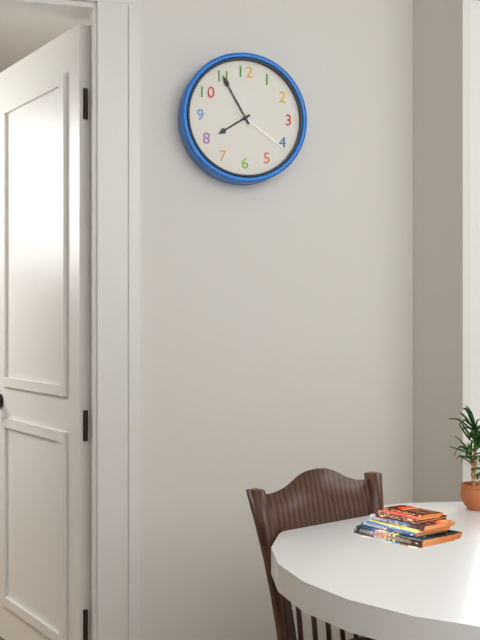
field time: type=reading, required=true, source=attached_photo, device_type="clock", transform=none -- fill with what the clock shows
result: 7:55:21
